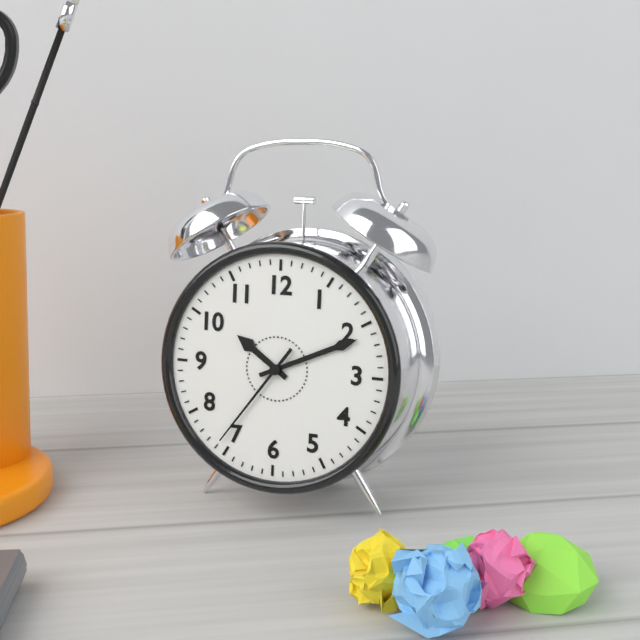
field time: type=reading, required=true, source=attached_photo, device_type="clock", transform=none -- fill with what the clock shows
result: 10:11:36
